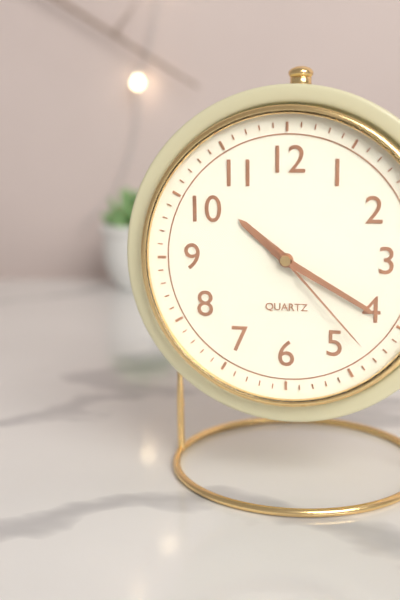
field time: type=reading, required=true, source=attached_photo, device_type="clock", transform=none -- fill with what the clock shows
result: 10:20:23
